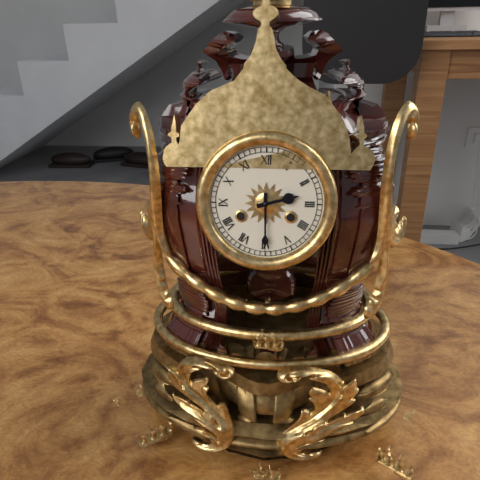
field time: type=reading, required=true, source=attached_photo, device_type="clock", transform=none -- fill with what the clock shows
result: 2:30
